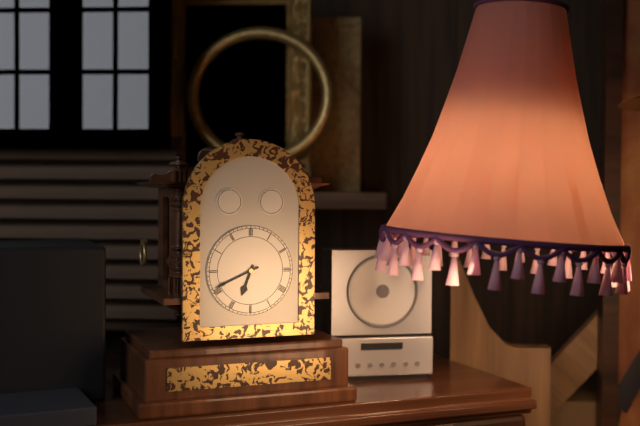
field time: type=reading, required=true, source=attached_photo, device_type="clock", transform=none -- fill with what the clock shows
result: 6:41
